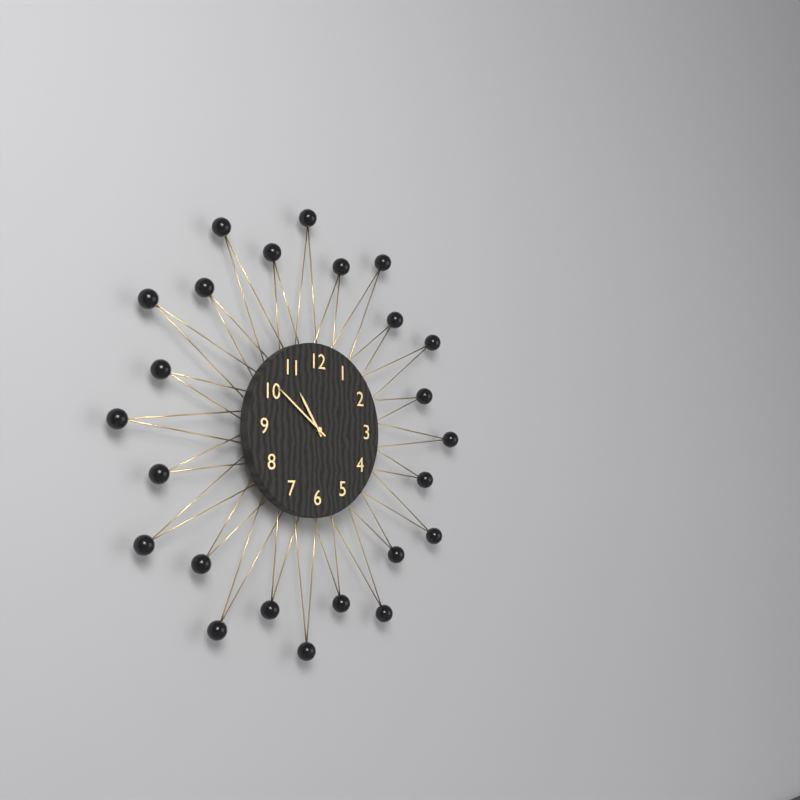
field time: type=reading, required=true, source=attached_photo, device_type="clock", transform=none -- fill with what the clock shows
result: 10:51
